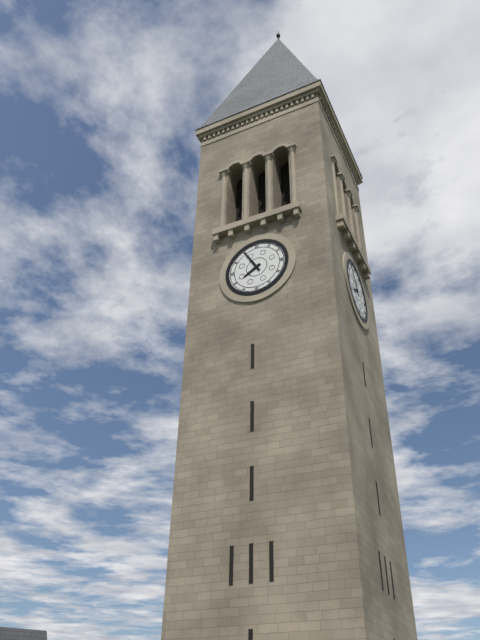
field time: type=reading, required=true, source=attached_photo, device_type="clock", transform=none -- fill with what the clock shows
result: 7:55
